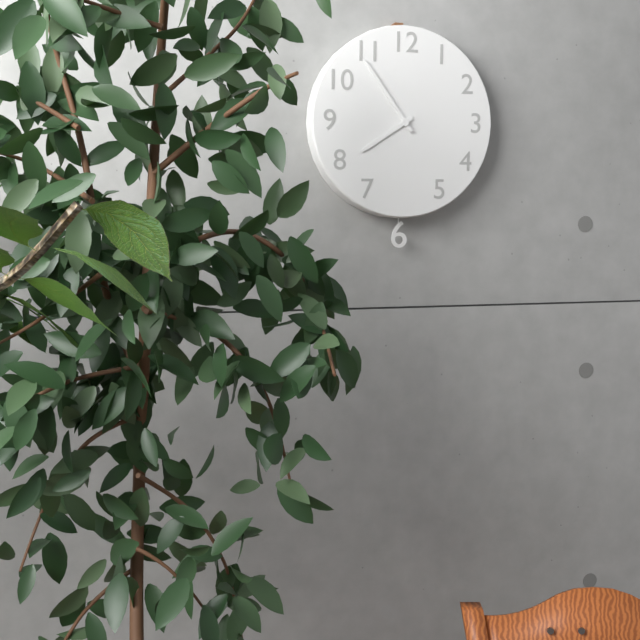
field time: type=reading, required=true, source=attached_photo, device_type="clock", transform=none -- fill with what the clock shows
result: 7:54
